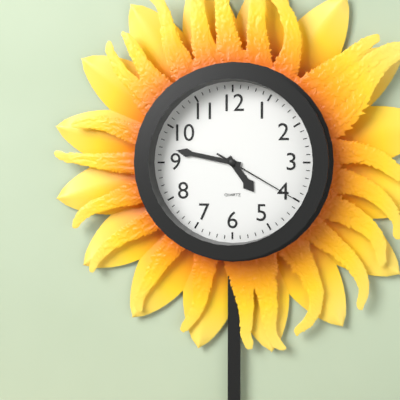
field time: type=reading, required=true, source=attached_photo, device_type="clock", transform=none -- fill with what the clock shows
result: 4:47:20
